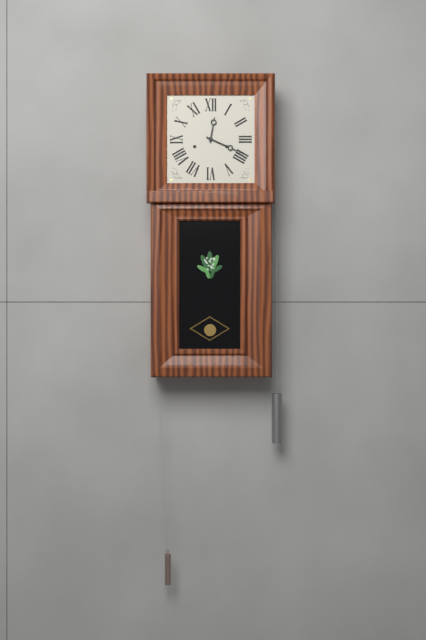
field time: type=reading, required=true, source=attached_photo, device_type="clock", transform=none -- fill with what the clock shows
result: 12:19
